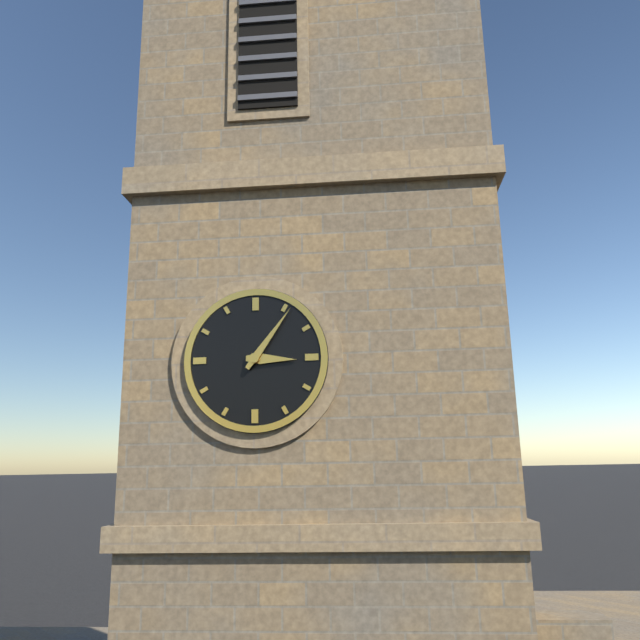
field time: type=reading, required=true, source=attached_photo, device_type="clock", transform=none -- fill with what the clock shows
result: 3:06
